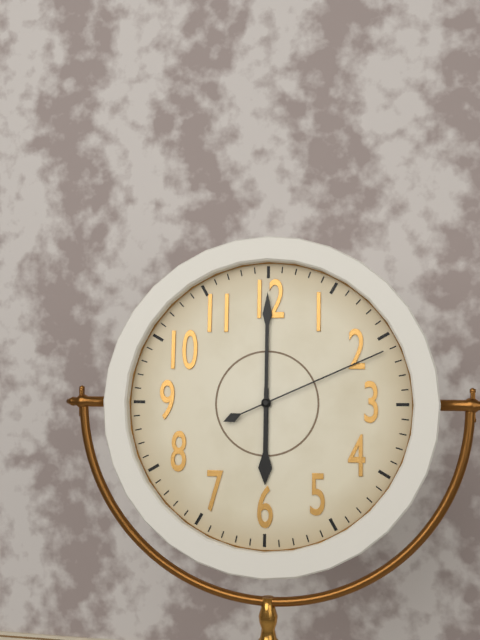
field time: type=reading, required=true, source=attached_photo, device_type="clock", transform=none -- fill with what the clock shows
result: 6:00:11
